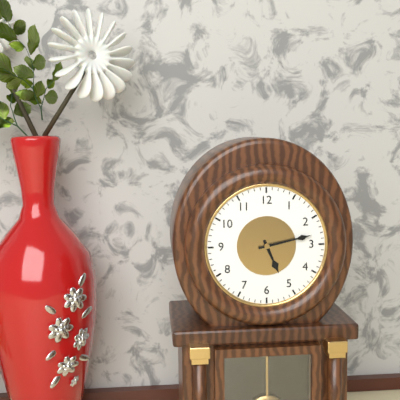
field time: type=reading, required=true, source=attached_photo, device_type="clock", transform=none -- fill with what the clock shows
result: 5:13
